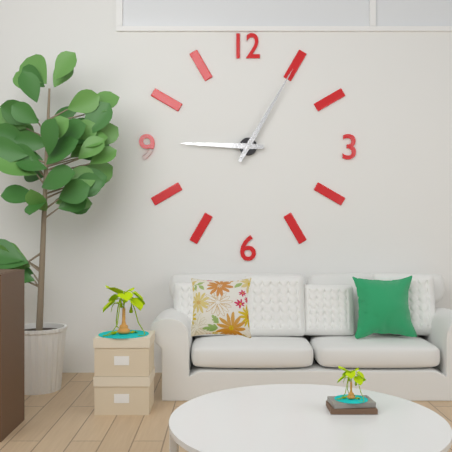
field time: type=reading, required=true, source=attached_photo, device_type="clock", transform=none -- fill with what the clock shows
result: 9:05
